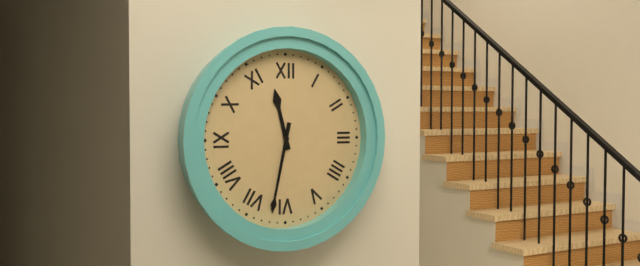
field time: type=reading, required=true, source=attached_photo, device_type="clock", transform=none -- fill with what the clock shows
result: 11:32
